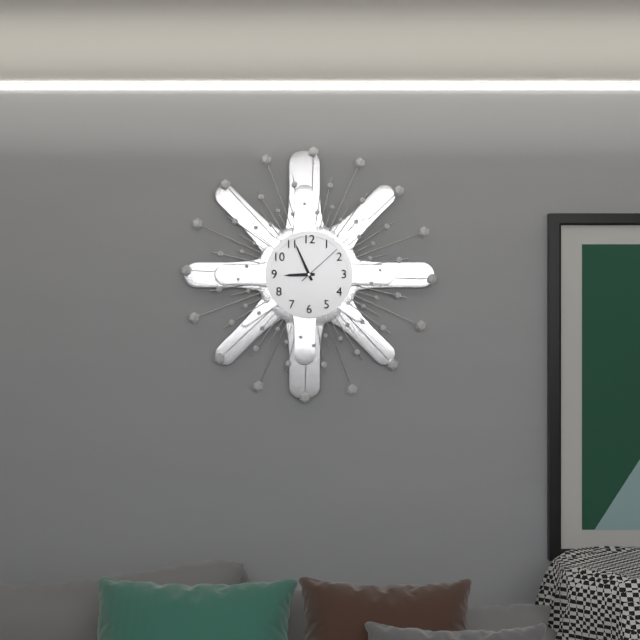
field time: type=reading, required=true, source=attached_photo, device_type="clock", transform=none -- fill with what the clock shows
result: 8:56
